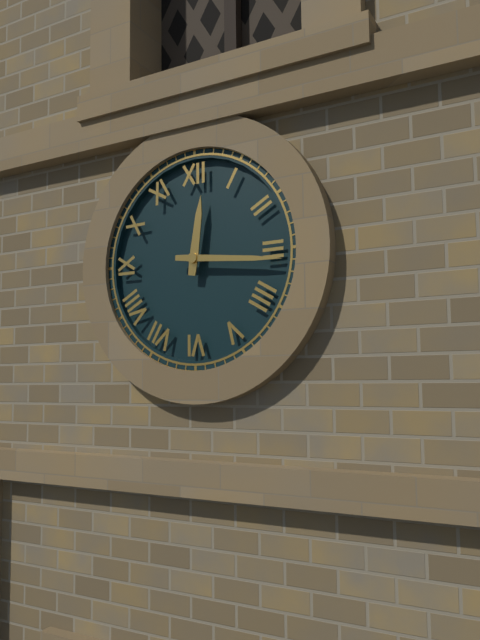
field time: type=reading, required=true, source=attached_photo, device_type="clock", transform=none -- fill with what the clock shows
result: 12:16
